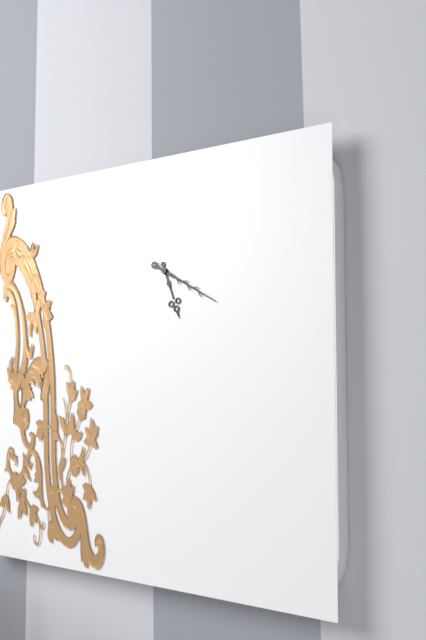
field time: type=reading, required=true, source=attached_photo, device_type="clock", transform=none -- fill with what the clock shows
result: 5:20
